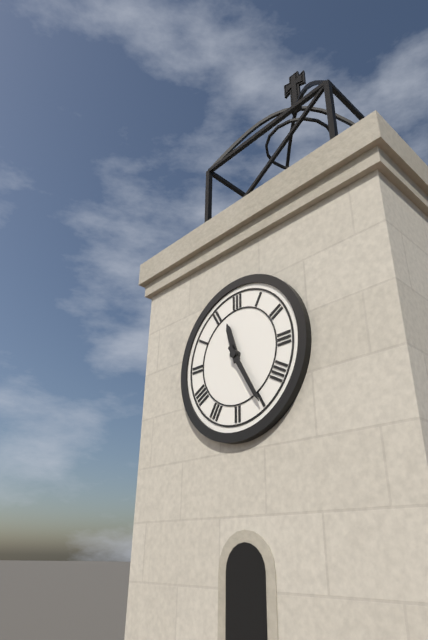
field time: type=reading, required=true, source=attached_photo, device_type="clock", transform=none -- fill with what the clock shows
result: 11:25
